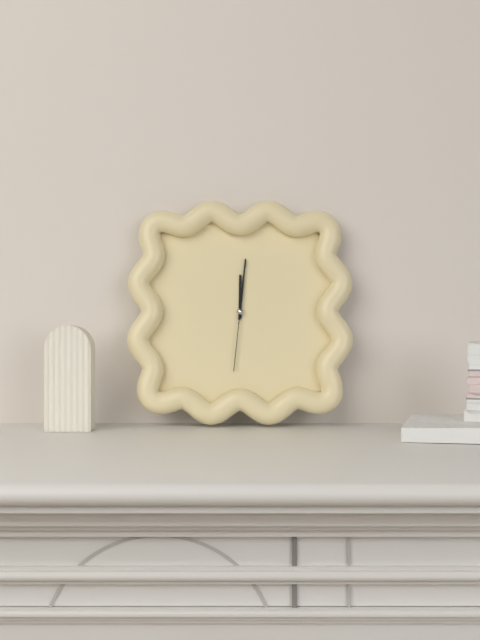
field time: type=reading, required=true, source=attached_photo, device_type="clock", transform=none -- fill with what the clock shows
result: 12:01:31
